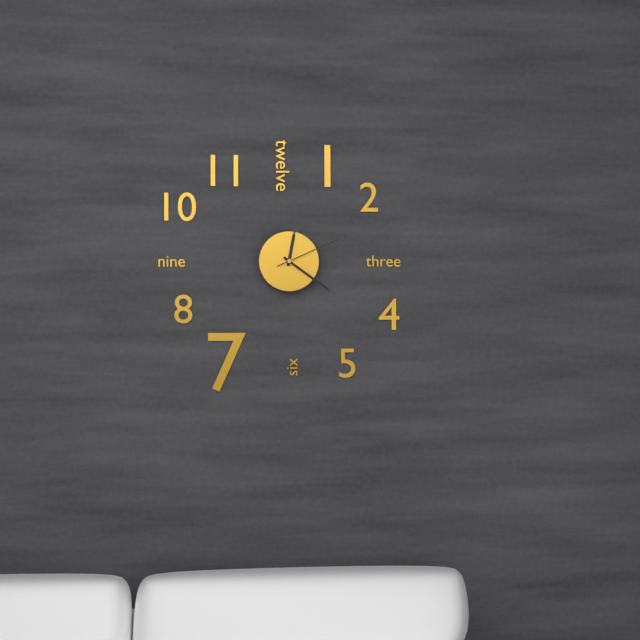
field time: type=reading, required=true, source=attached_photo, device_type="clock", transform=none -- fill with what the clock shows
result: 12:21:11
